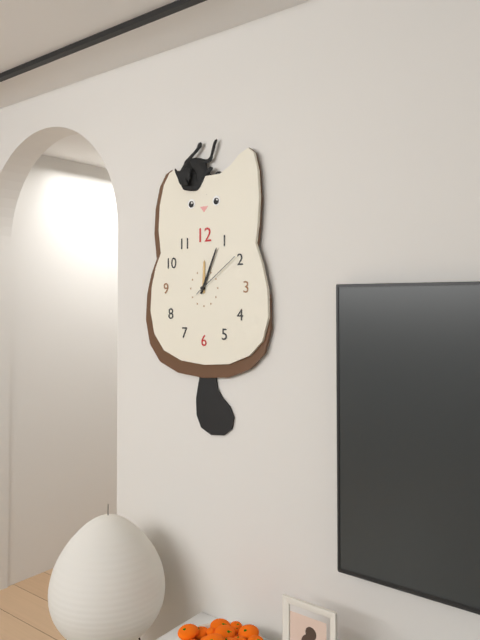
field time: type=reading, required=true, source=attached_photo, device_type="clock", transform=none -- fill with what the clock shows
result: 12:04:09
